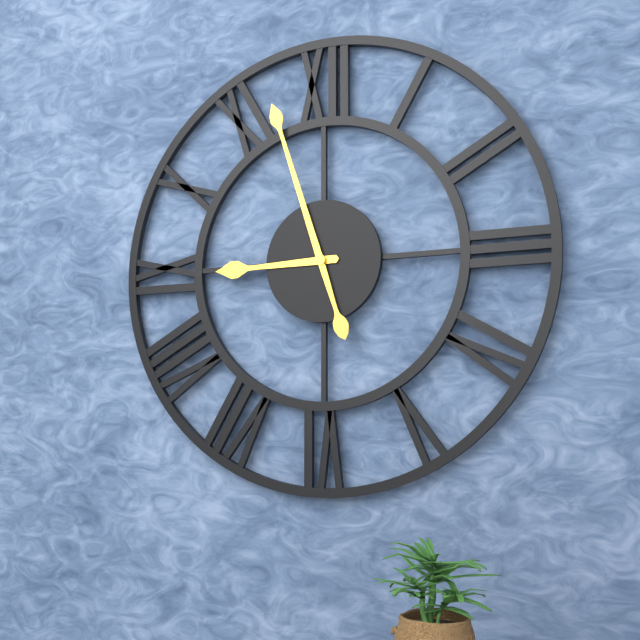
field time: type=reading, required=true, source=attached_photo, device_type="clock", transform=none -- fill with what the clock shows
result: 8:57
